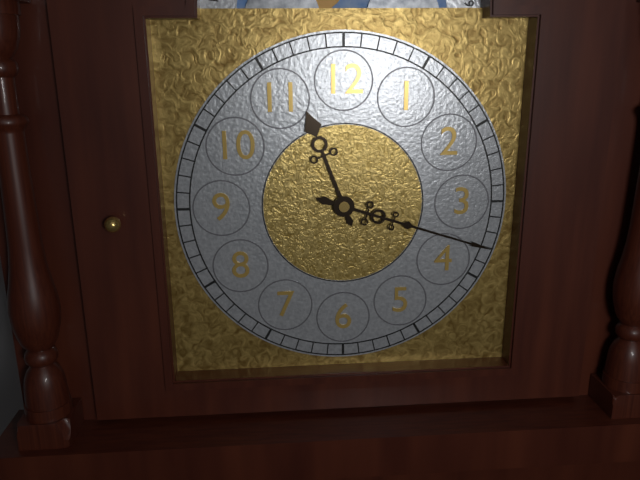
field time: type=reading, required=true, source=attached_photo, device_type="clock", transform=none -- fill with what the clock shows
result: 11:18
